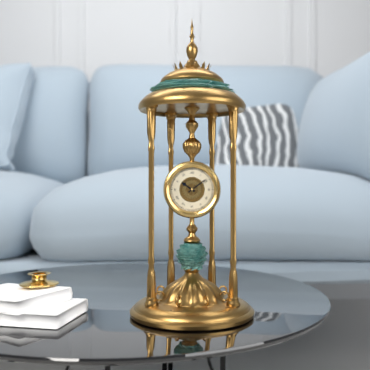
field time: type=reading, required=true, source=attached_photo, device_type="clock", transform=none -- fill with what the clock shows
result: 10:09
